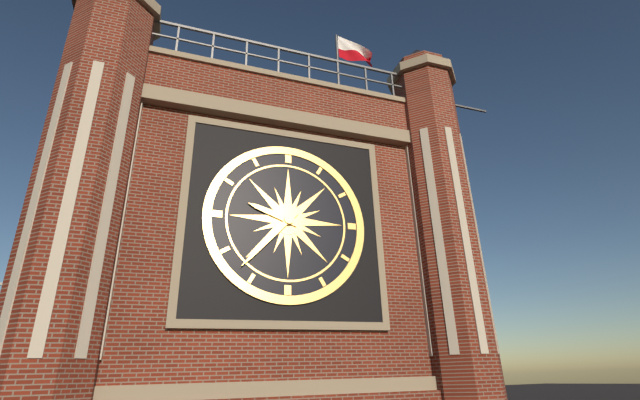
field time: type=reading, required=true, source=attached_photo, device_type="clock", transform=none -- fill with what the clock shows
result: 9:37
